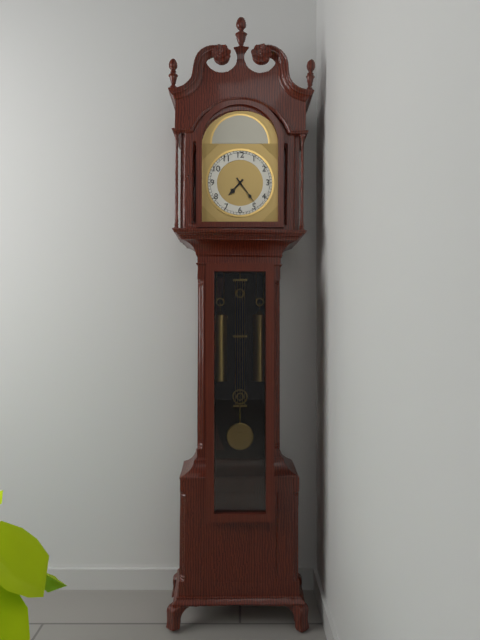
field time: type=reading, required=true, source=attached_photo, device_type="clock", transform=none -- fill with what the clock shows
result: 7:24
